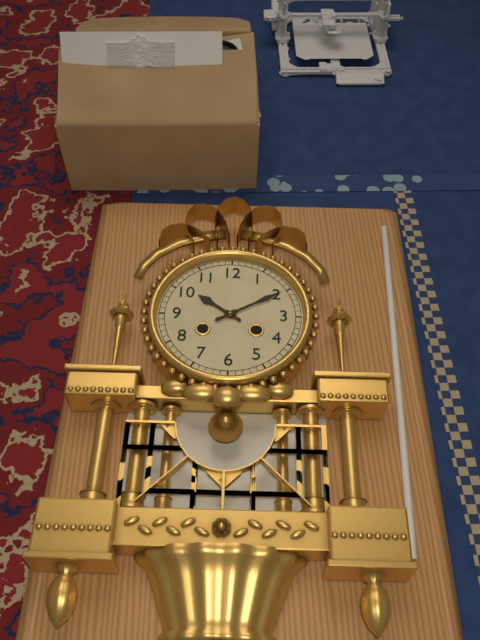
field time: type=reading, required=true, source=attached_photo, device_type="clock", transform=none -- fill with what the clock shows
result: 10:10
